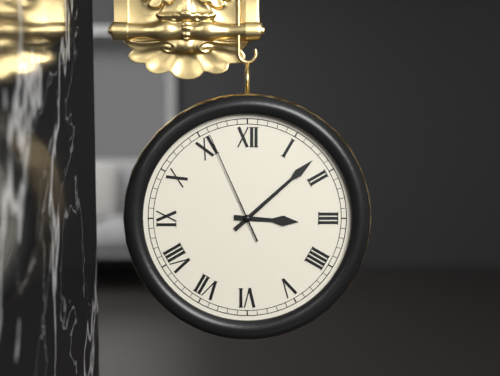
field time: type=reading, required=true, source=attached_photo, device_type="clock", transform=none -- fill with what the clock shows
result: 3:08:56
